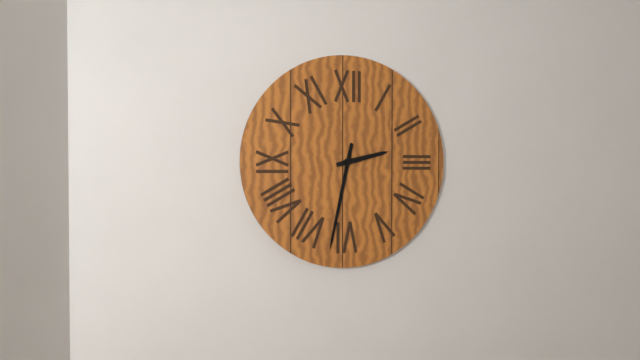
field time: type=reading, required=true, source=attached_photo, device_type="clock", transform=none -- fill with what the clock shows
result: 2:32
